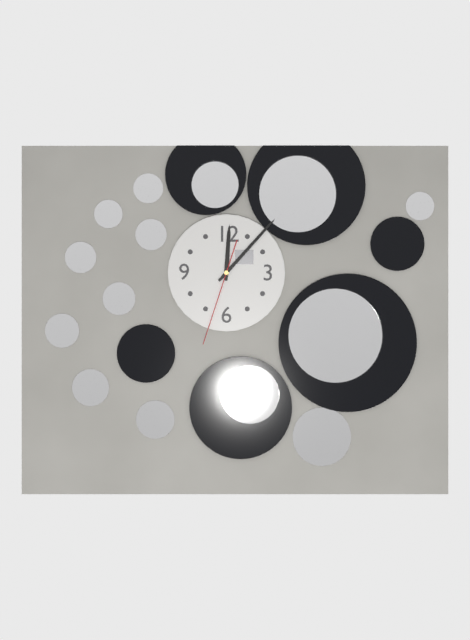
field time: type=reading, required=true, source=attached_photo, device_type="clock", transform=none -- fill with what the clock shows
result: 12:07:33
